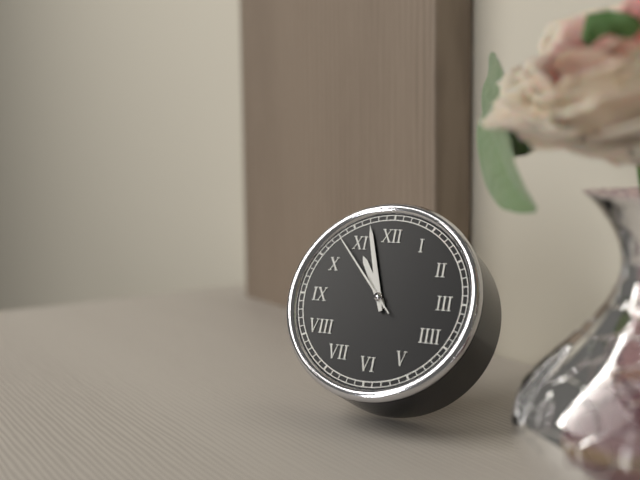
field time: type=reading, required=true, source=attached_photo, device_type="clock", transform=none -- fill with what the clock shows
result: 10:57:53
